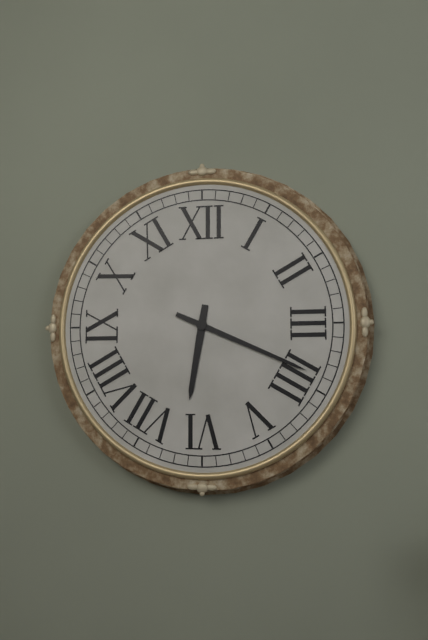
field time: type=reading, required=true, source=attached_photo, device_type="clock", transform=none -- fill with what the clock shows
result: 6:19
